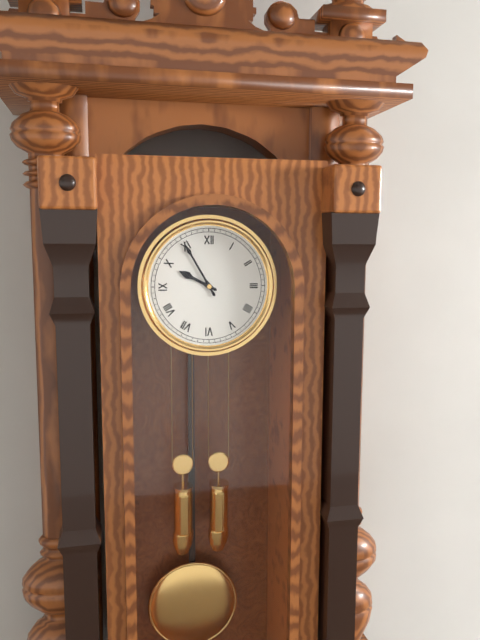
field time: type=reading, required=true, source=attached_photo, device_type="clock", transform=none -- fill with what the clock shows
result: 9:55
